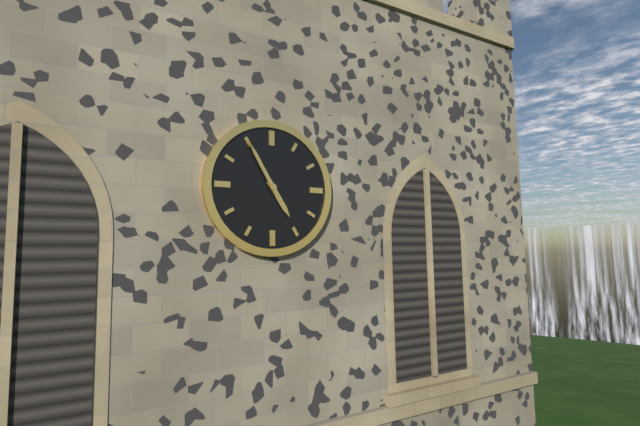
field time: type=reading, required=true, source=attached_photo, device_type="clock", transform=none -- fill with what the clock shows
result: 4:55
